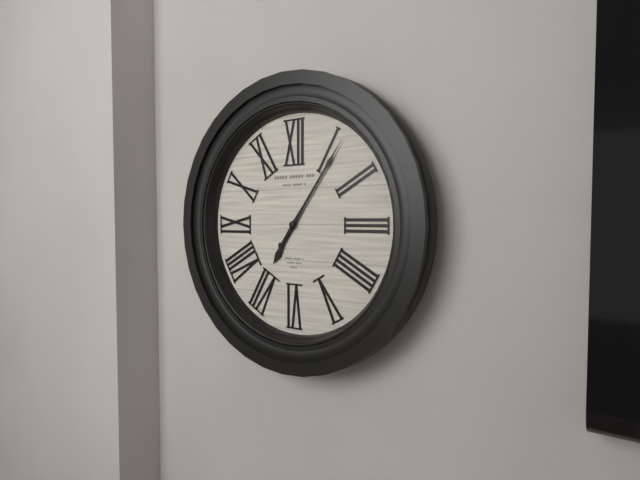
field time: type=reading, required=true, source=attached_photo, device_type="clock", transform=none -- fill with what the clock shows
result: 7:06
